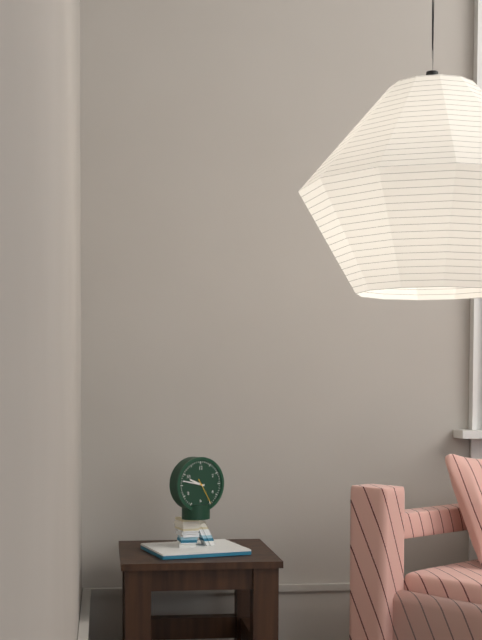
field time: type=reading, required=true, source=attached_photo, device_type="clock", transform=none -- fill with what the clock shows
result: 9:47
